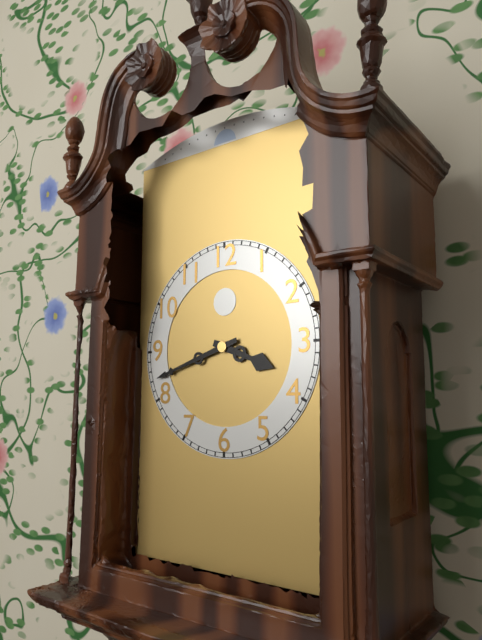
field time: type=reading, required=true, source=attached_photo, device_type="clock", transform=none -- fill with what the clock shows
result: 3:42
